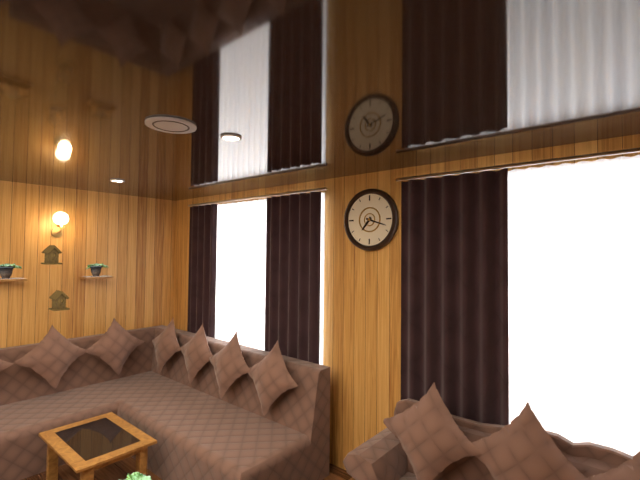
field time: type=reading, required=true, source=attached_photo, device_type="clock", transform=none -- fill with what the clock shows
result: 7:18
